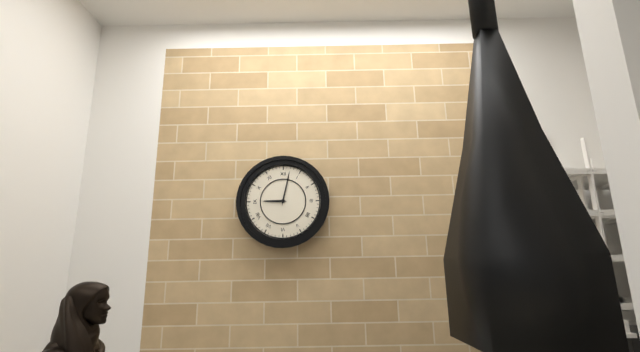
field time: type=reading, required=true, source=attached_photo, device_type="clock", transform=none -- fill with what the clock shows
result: 9:02
